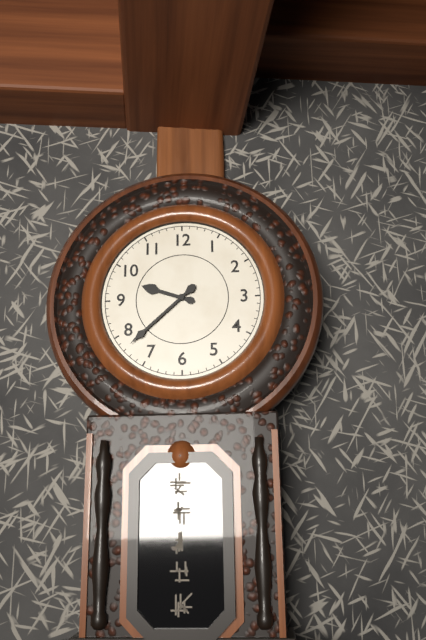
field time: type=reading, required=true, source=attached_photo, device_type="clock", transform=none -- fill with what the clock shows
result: 9:38
